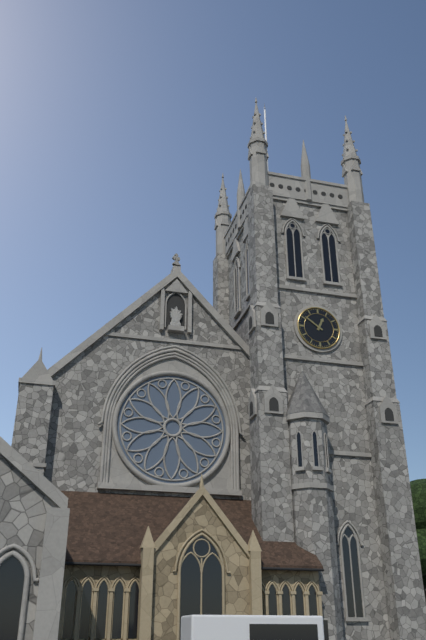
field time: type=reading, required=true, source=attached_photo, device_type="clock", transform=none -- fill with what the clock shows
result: 12:51
